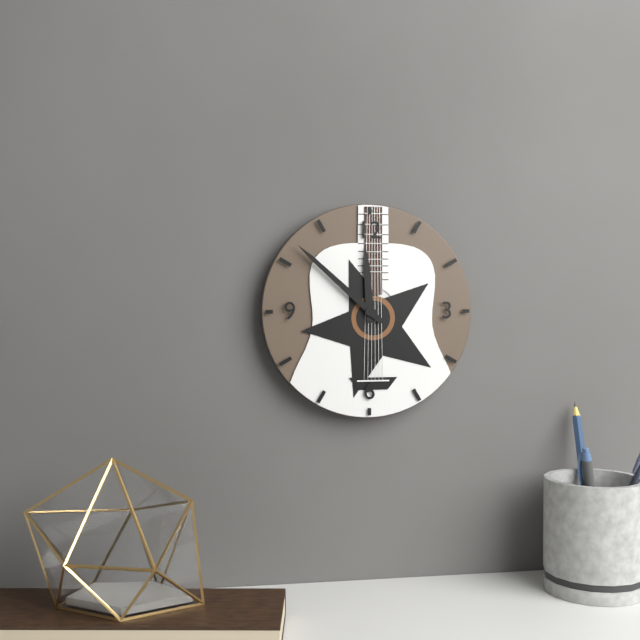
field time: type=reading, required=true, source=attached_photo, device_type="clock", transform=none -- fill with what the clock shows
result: 11:52
